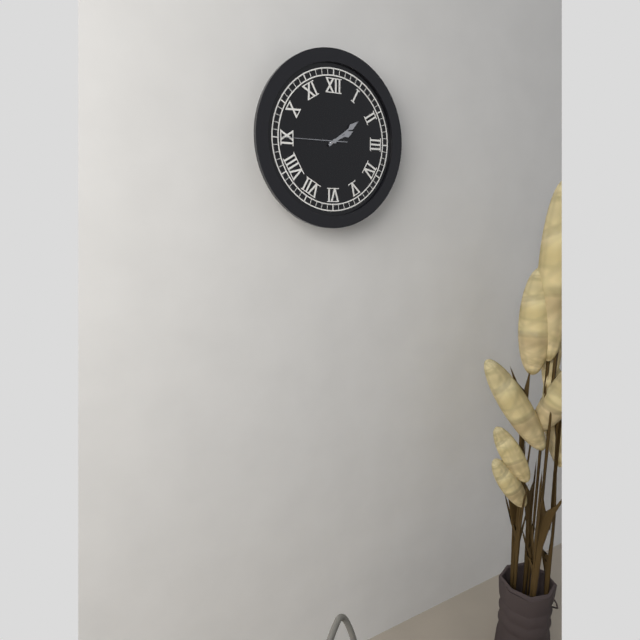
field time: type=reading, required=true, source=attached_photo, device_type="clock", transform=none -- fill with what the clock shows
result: 2:09:45
